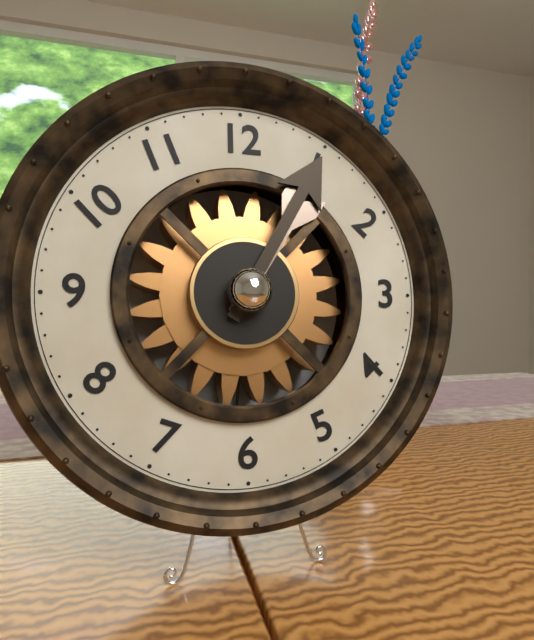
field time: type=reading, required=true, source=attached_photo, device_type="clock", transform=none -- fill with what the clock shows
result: 1:05
